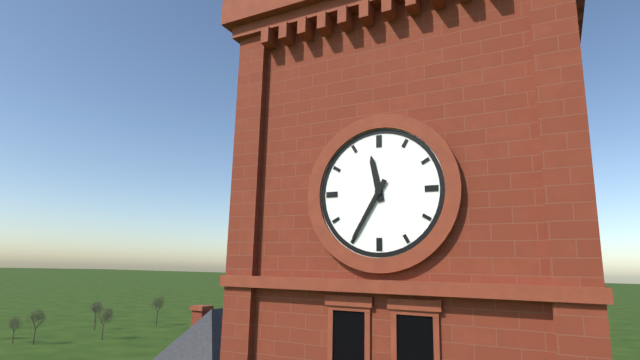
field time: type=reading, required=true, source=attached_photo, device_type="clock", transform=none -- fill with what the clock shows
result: 11:35
